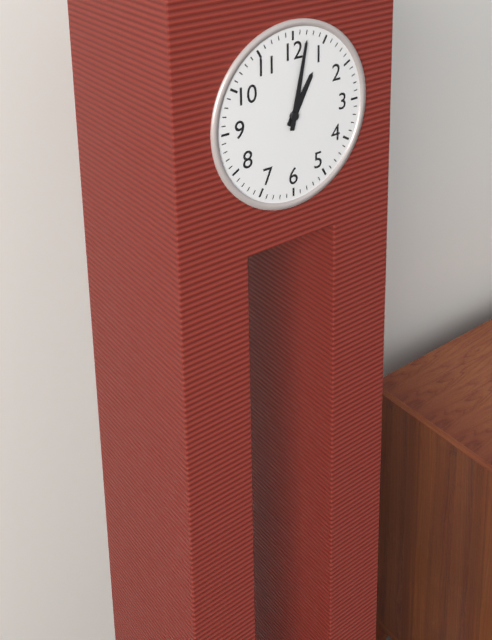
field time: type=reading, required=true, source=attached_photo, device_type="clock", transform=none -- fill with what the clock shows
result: 1:02
